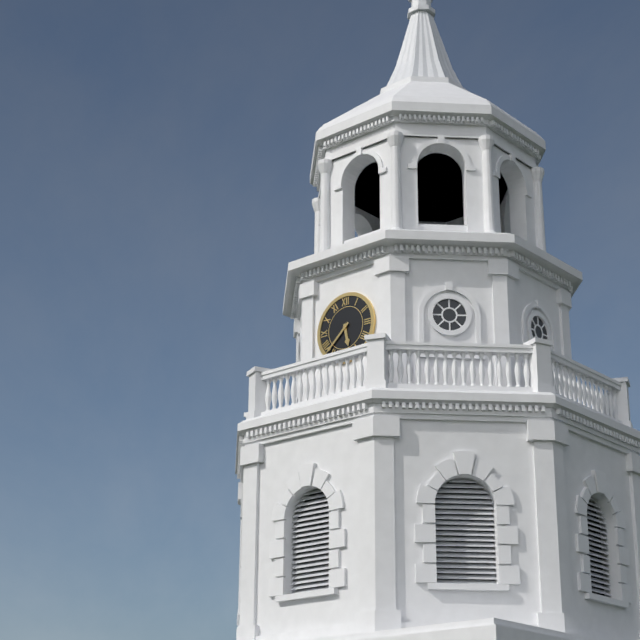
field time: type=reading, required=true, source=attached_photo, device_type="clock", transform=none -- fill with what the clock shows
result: 5:38
